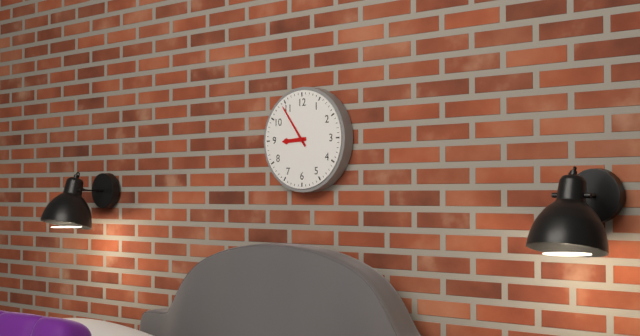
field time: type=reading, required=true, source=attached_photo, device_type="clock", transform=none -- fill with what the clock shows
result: 8:54
